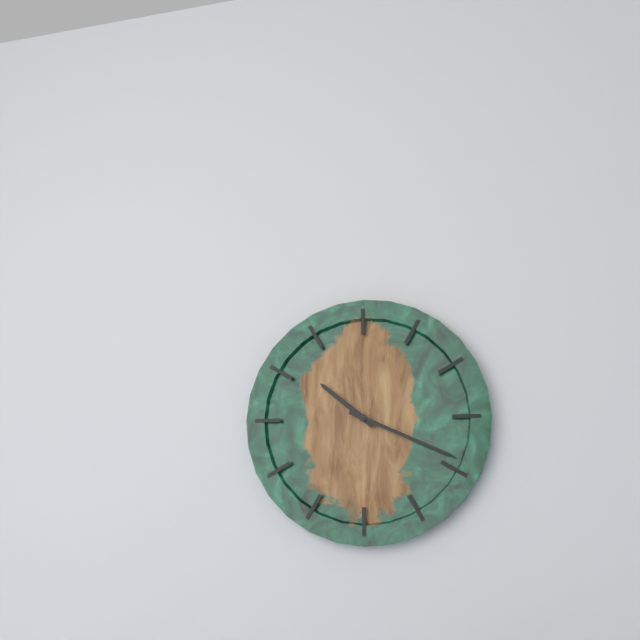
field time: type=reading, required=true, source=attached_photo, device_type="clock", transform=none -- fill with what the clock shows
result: 10:19
